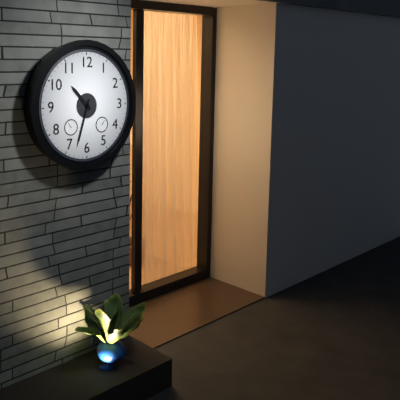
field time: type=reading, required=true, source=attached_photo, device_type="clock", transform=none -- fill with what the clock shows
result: 10:33
